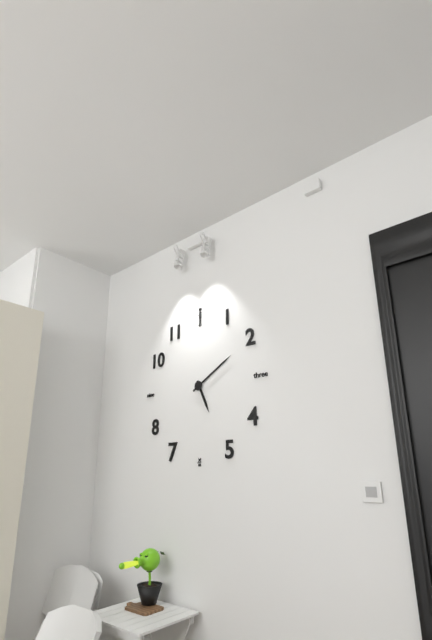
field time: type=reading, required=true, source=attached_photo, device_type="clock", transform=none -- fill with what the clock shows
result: 5:10
